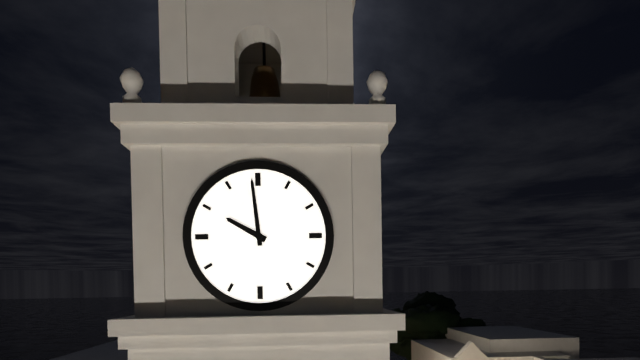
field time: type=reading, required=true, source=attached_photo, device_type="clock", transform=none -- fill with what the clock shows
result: 9:59
